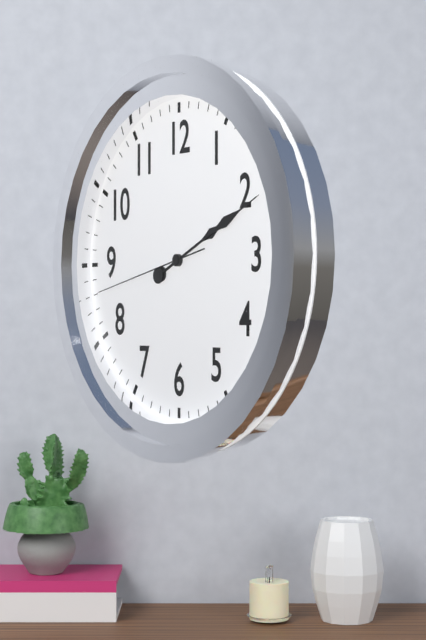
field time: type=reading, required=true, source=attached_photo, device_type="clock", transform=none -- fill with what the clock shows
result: 2:11:43
